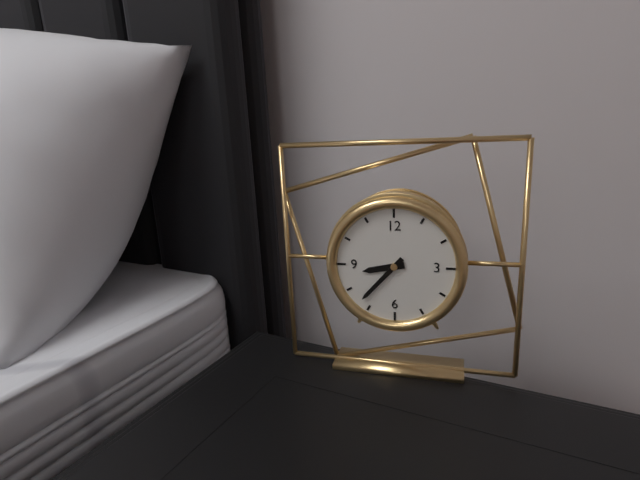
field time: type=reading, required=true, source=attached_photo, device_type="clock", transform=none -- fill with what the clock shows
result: 8:37
